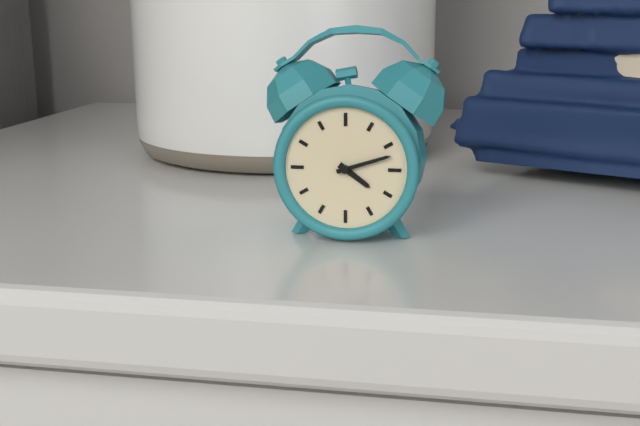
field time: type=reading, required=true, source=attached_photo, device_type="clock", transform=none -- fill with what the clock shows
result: 4:12
